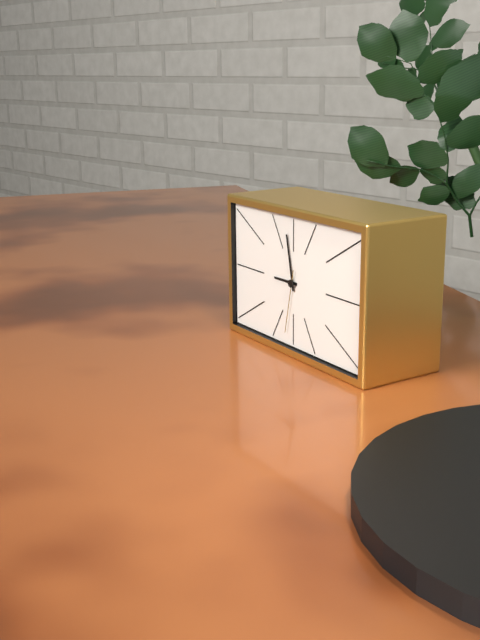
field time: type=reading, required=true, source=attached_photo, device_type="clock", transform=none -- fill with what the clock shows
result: 8:58:32
